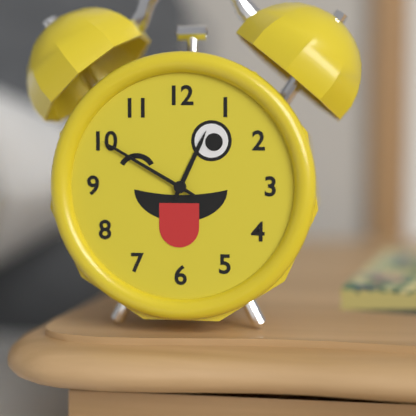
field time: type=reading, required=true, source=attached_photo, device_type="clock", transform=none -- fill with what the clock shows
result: 12:50
